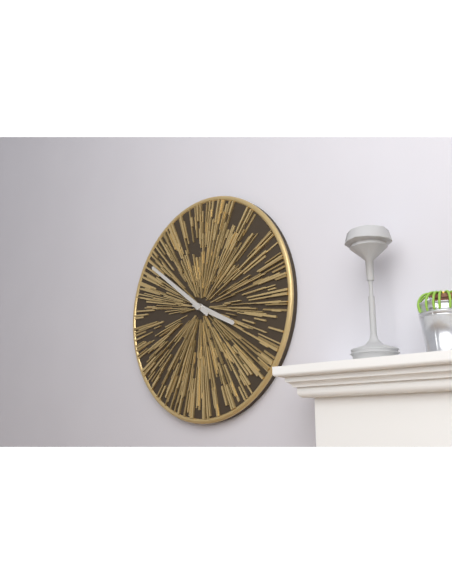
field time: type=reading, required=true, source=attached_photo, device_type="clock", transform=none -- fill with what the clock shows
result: 3:51
